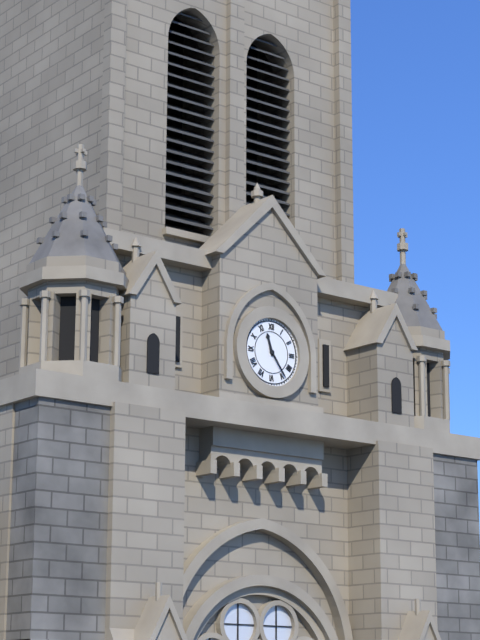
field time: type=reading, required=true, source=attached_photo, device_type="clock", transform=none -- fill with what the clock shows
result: 11:24
